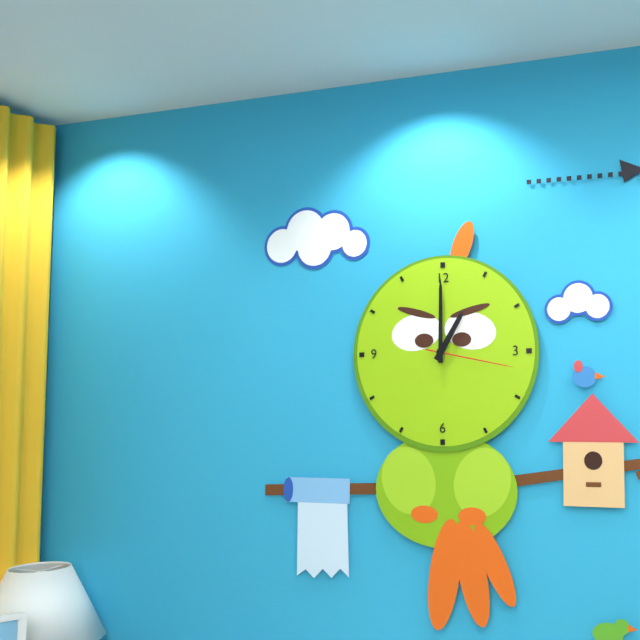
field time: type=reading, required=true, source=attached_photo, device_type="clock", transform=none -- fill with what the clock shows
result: 1:00:17
